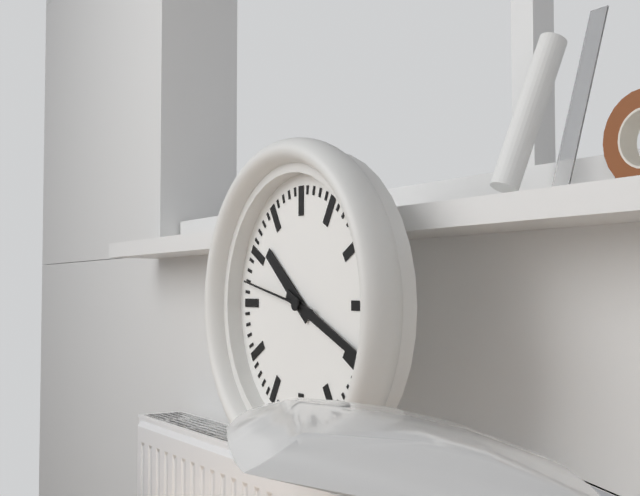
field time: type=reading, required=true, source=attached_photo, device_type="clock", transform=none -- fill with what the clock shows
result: 10:19:47
